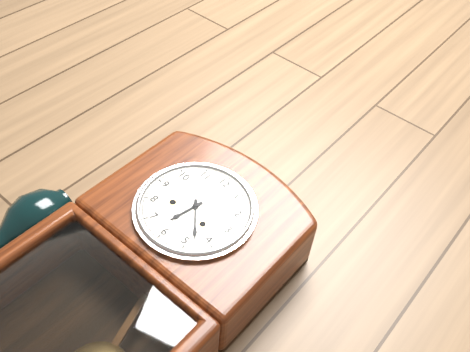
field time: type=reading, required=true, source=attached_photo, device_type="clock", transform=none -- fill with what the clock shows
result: 6:23
